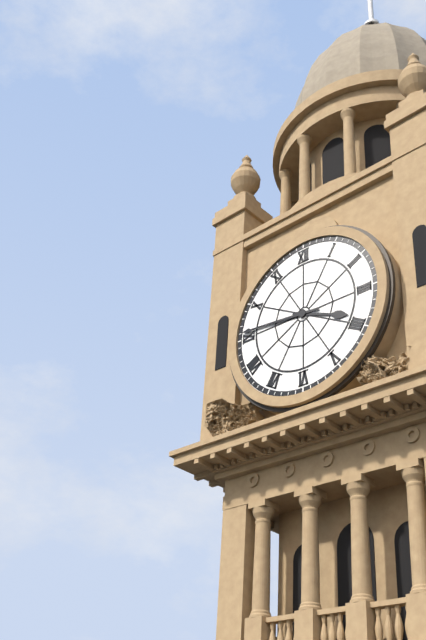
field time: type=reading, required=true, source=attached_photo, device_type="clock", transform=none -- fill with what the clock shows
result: 3:46
